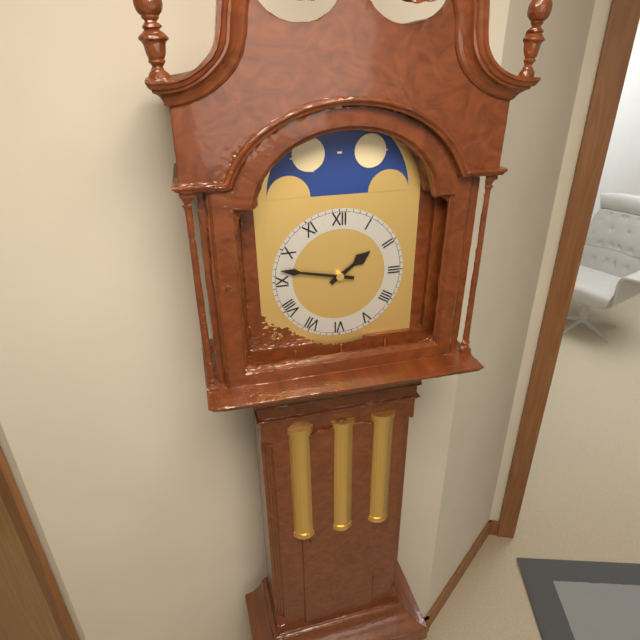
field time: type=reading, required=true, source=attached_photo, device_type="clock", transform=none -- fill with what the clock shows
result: 1:47
